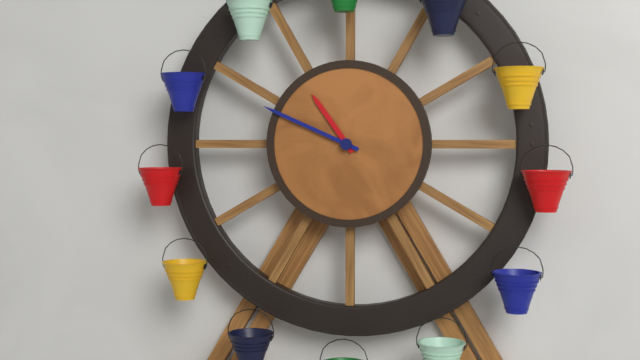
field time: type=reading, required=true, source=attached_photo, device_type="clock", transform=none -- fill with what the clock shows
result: 10:49
